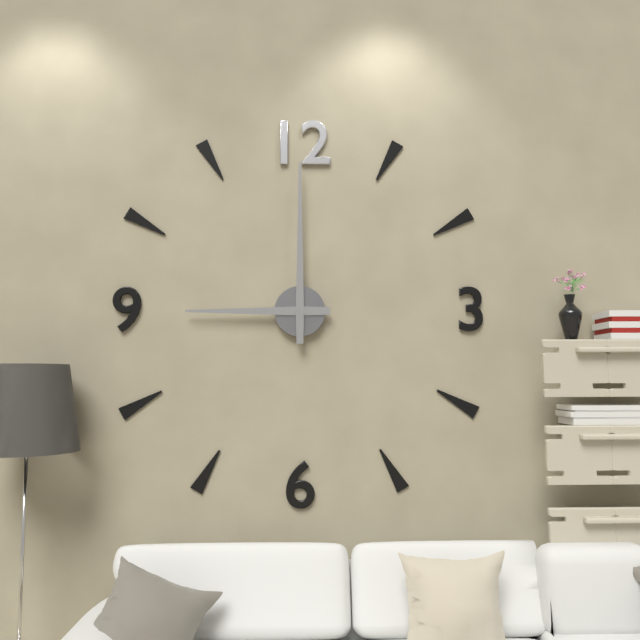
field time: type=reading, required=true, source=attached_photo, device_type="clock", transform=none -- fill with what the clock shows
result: 9:00
